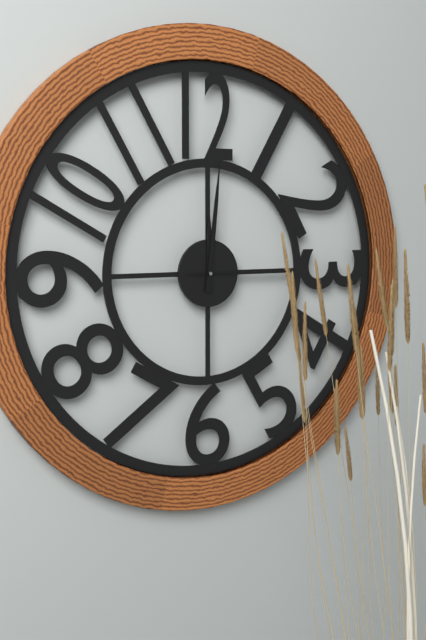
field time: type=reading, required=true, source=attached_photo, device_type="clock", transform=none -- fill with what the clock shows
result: 12:01:15
